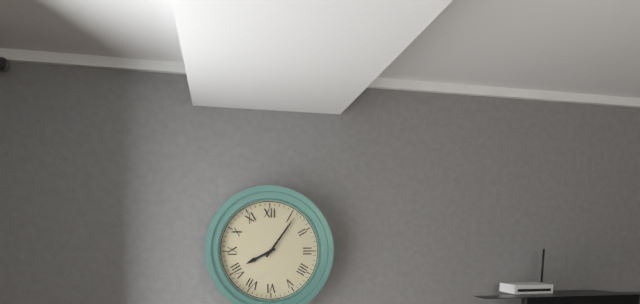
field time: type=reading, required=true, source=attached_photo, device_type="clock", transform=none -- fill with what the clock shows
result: 8:06
